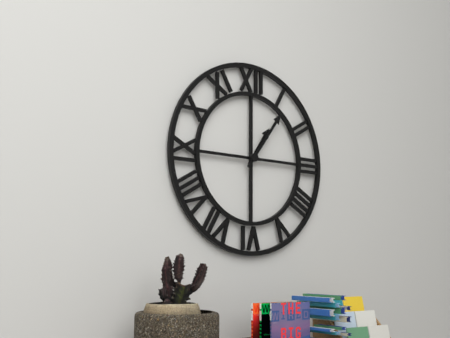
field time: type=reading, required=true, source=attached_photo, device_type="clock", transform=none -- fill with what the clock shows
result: 1:06
